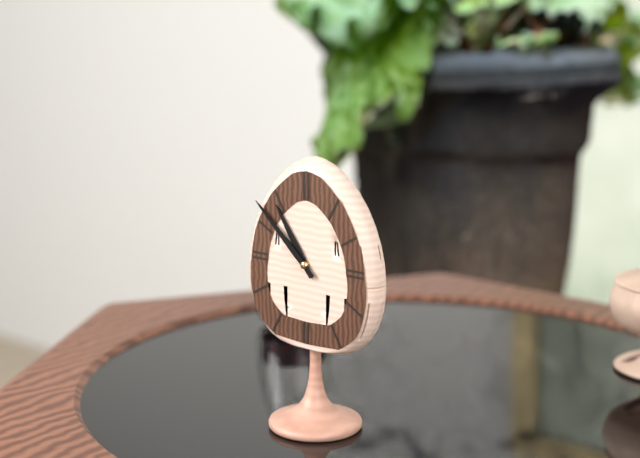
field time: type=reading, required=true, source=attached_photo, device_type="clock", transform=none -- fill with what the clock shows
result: 10:52
